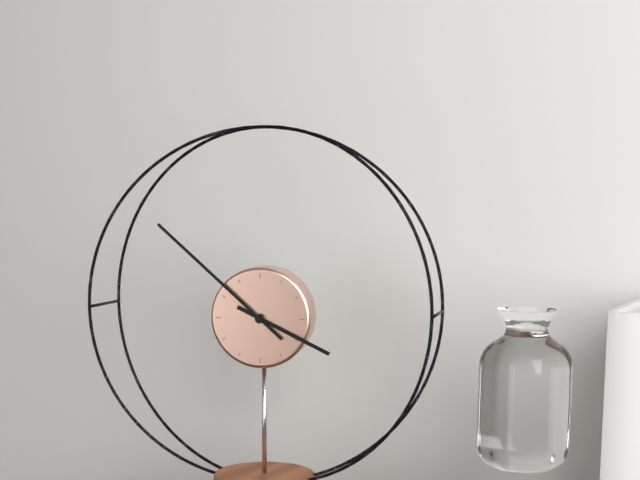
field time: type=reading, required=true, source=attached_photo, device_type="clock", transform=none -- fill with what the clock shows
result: 3:52
